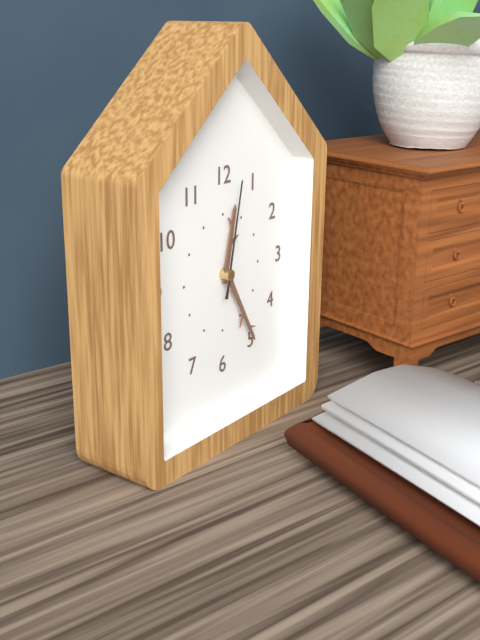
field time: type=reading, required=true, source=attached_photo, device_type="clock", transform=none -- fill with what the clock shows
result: 12:25:02
